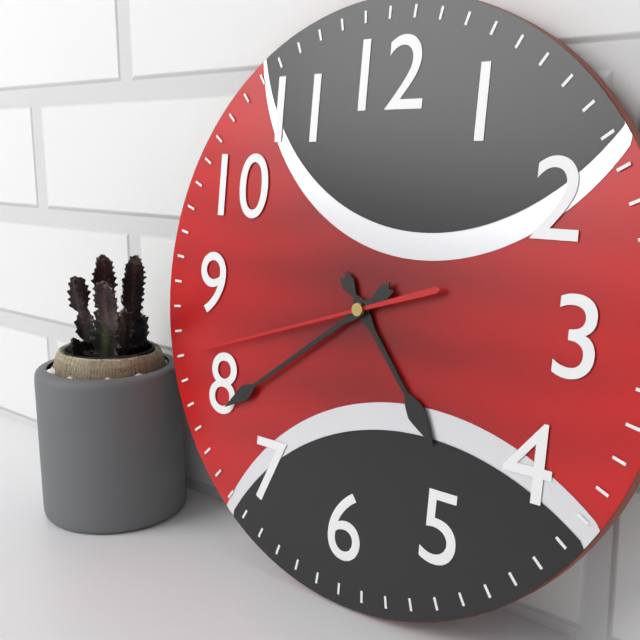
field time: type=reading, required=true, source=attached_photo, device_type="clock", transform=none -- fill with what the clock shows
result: 4:39:42
